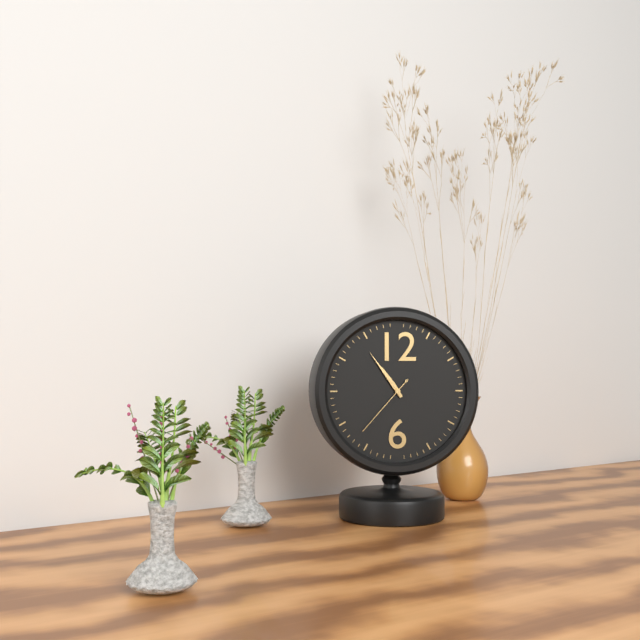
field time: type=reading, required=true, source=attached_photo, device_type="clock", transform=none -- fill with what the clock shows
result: 10:54:37
